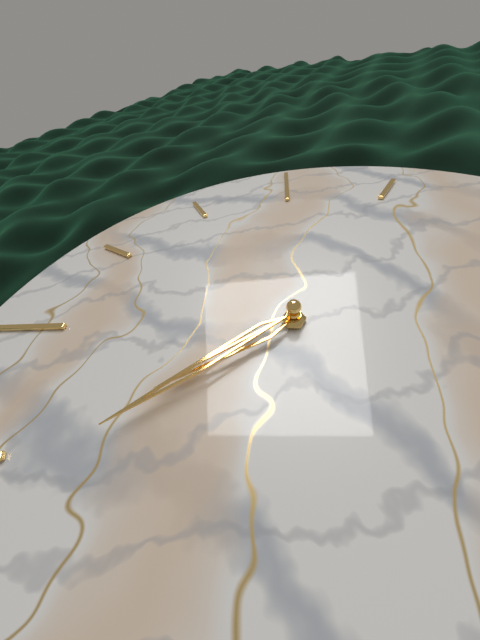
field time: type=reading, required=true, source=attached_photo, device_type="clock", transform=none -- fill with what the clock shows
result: 10:54
